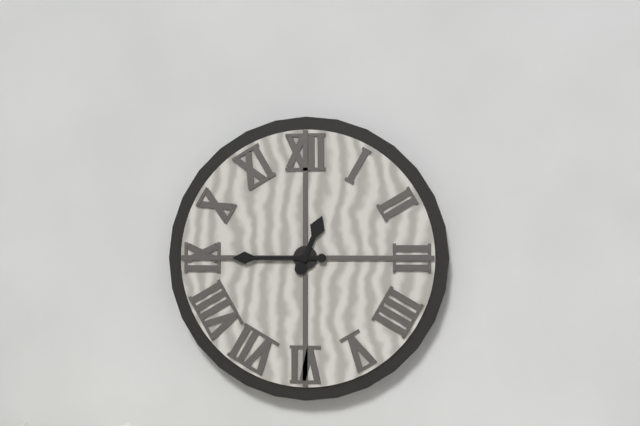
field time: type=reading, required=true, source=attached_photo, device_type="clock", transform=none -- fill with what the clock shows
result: 12:45
